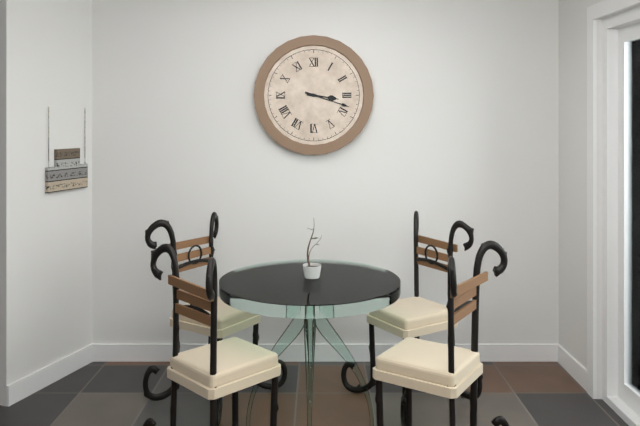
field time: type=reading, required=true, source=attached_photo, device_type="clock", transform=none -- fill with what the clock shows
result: 3:18
